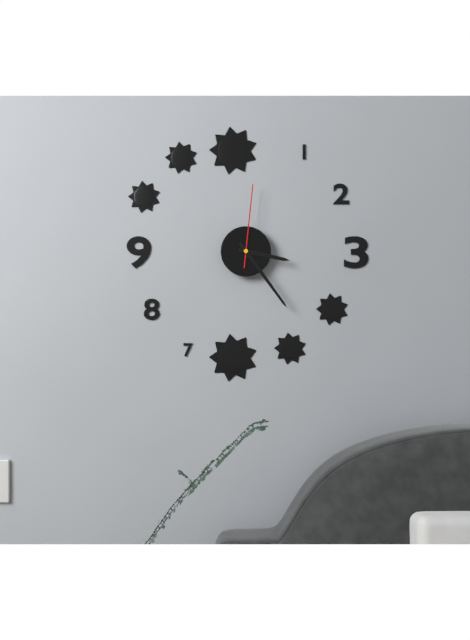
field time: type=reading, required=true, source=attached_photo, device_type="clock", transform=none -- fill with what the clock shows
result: 3:24:01
